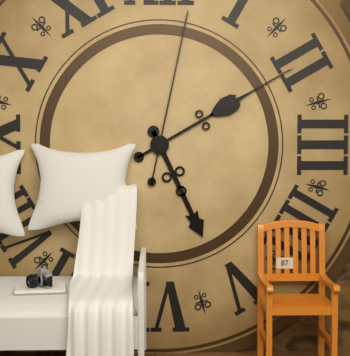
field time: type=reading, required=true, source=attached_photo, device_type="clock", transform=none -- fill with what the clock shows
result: 5:10:02
